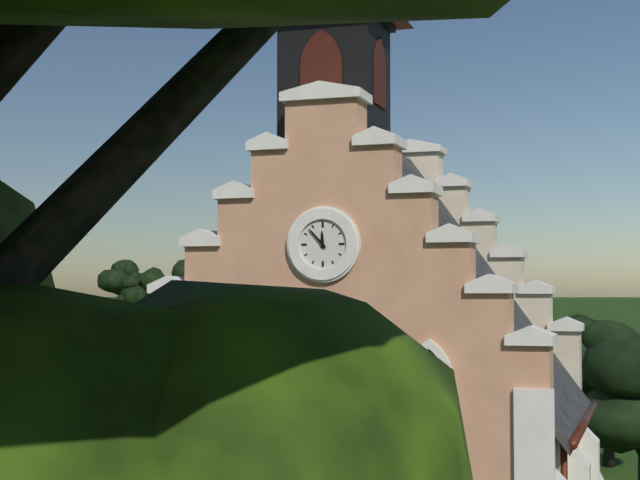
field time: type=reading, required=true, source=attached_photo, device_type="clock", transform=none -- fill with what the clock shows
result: 11:53
